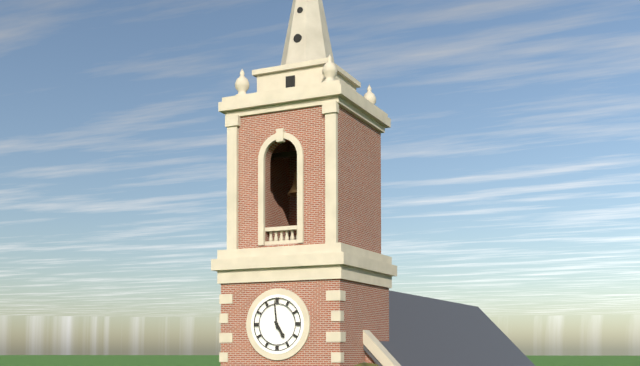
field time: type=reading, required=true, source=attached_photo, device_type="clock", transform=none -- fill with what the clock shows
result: 4:59
